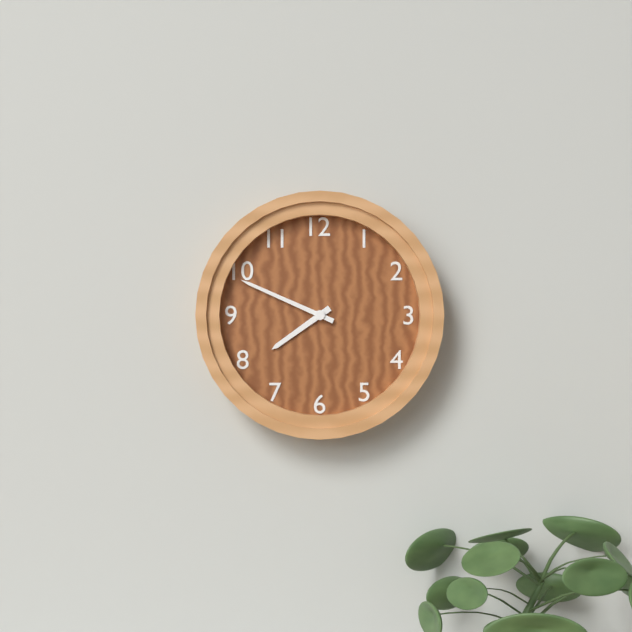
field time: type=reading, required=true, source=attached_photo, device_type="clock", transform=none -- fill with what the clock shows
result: 7:49
